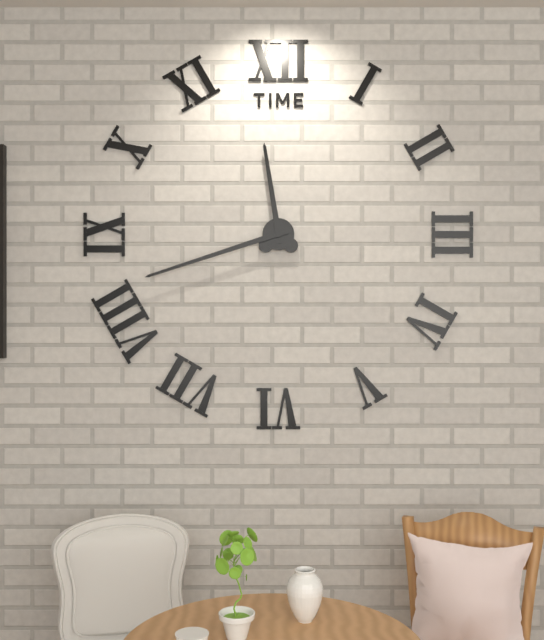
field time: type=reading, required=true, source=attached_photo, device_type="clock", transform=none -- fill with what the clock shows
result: 11:42
